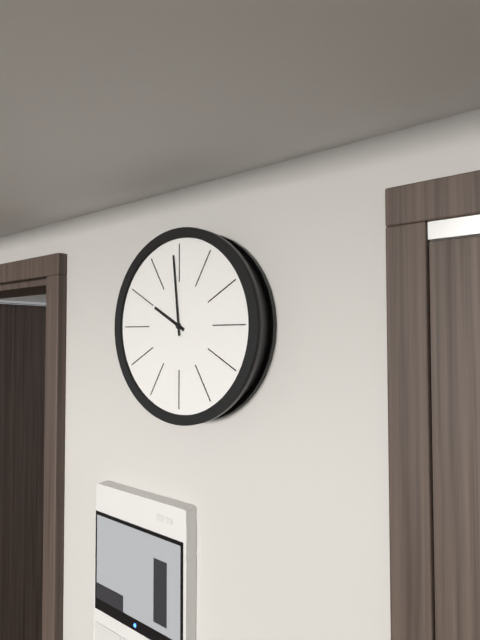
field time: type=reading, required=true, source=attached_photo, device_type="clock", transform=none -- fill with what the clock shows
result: 9:59
